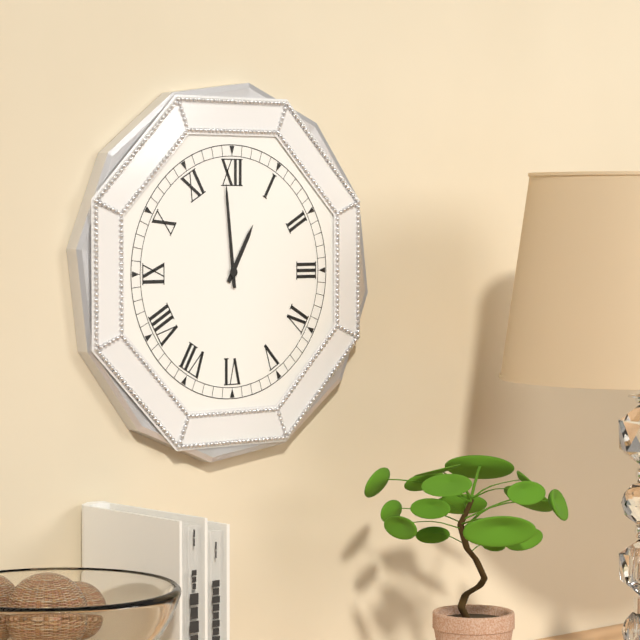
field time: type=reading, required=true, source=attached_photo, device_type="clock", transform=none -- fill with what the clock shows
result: 12:59
